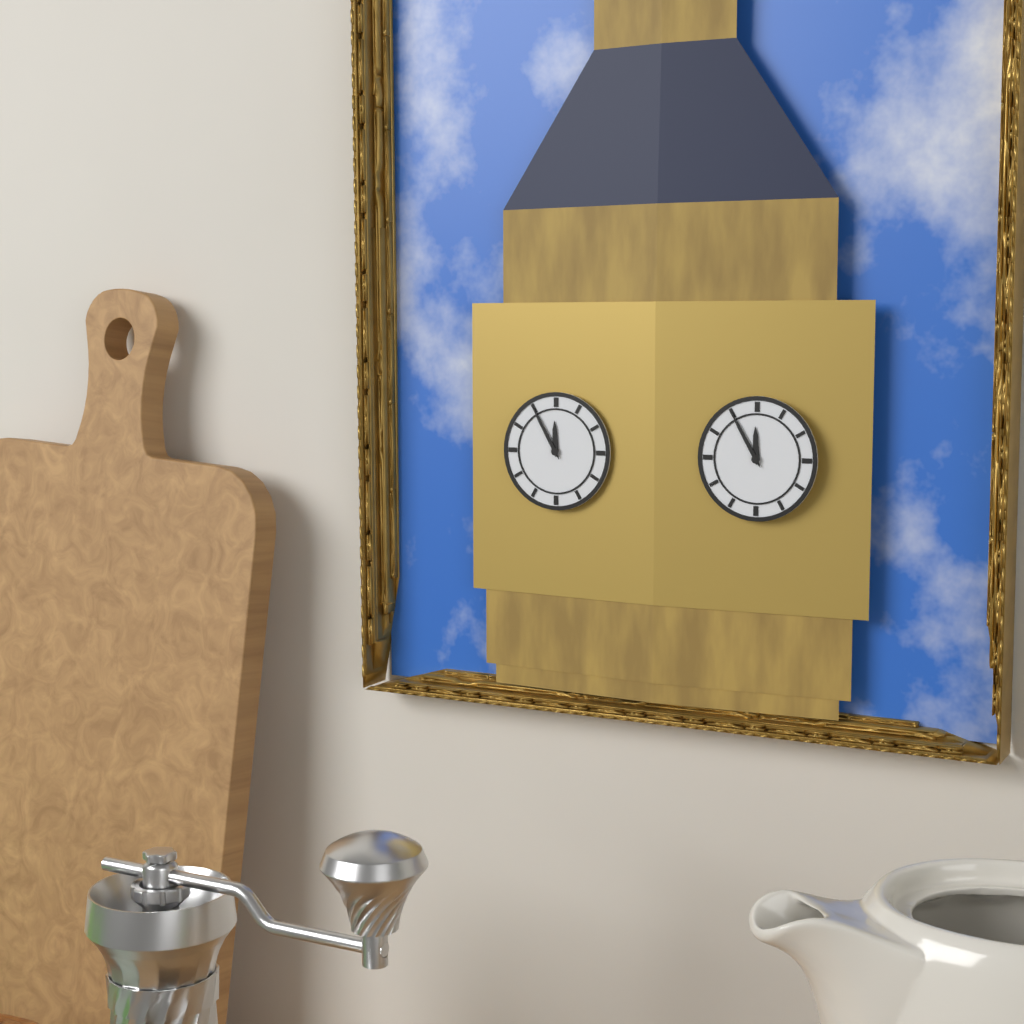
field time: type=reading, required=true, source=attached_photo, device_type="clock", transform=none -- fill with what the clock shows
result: 11:55
